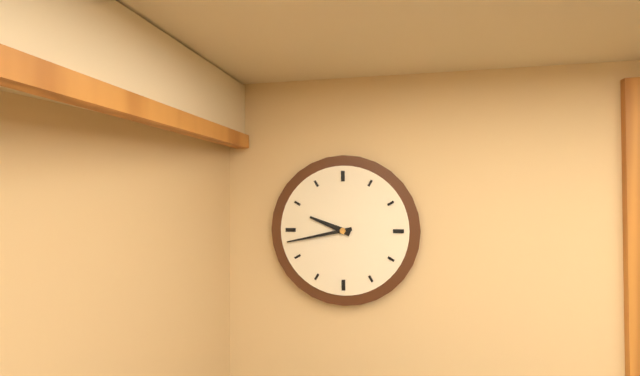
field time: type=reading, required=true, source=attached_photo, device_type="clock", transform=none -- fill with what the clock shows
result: 9:43
